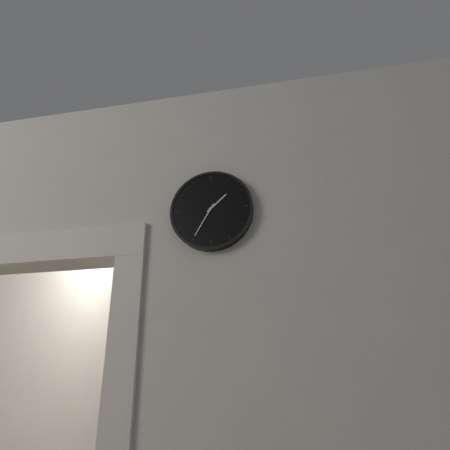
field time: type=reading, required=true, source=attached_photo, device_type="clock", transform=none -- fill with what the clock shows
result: 1:35
